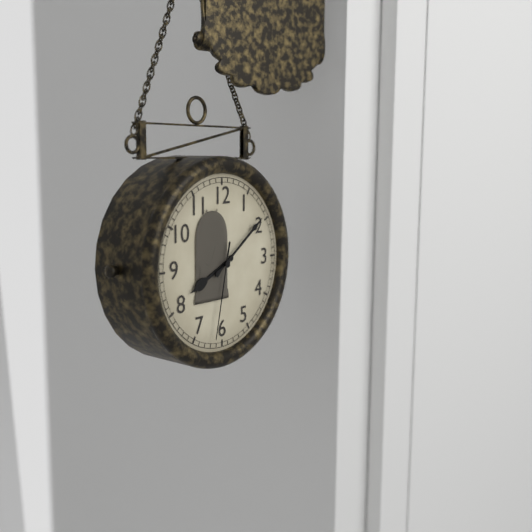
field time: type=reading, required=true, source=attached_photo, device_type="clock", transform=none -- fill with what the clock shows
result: 8:09:32
